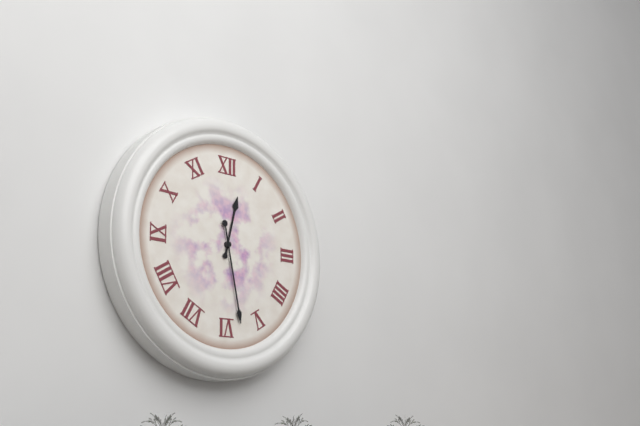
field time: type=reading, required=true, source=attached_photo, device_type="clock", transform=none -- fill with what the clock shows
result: 12:28
